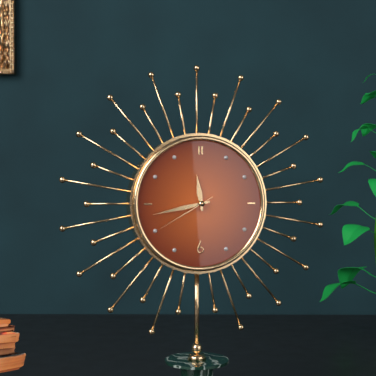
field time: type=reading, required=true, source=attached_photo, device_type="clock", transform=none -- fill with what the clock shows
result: 11:43:40
